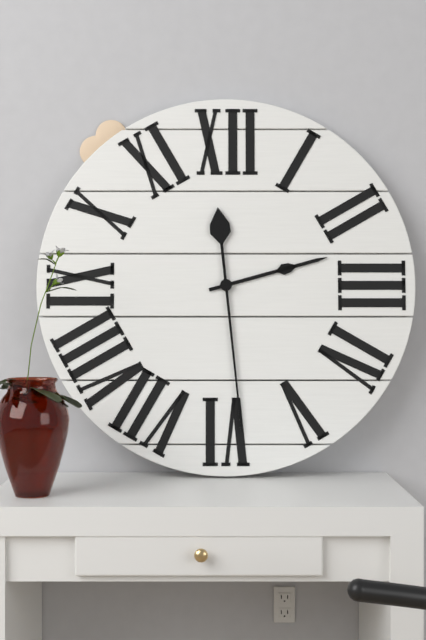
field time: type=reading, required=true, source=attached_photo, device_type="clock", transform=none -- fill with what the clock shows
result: 2:29
